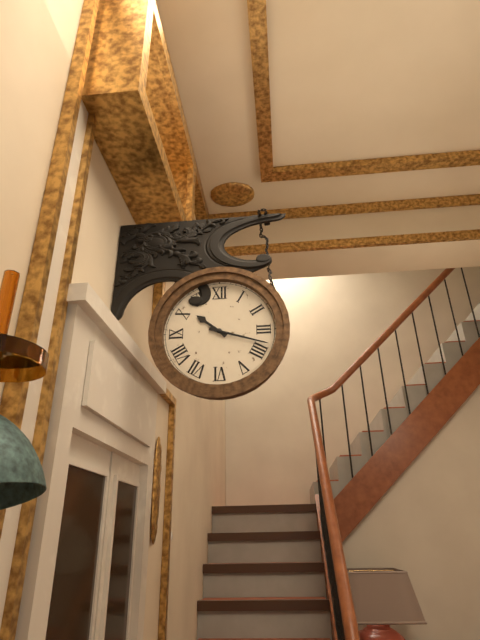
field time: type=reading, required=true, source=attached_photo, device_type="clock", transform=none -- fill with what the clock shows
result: 10:18
